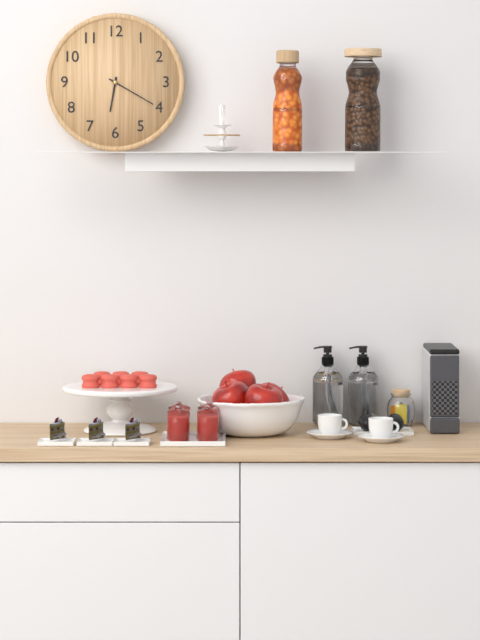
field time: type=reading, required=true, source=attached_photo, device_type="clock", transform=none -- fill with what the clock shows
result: 6:20
